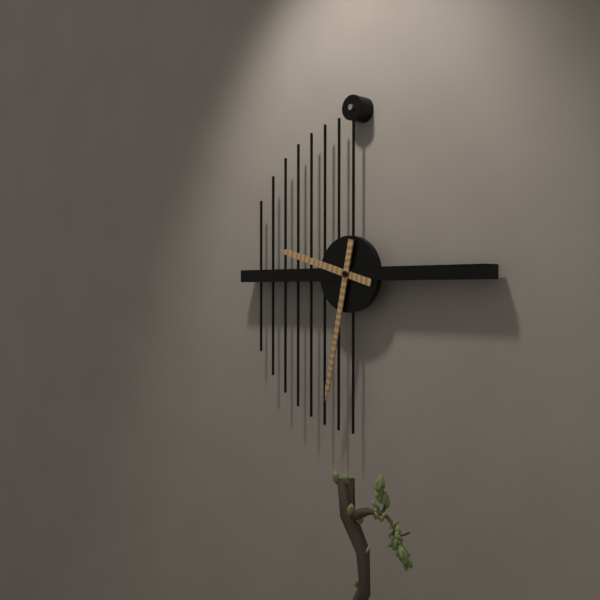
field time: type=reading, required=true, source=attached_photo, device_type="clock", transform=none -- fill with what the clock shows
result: 9:32
